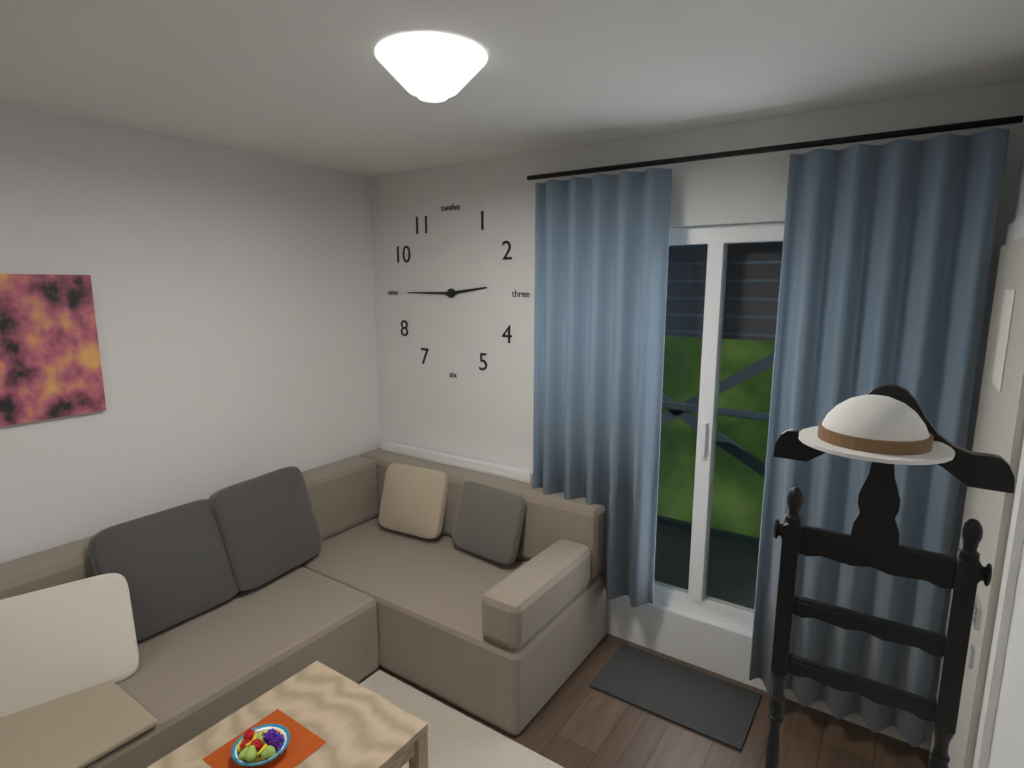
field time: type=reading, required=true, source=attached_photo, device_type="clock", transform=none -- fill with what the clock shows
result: 2:45
